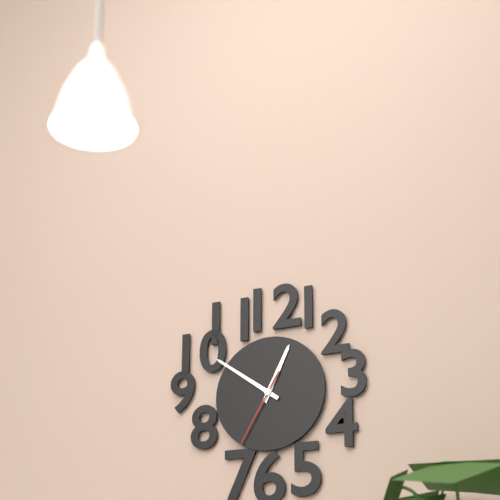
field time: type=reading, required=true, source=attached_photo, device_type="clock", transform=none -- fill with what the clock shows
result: 12:51:35
